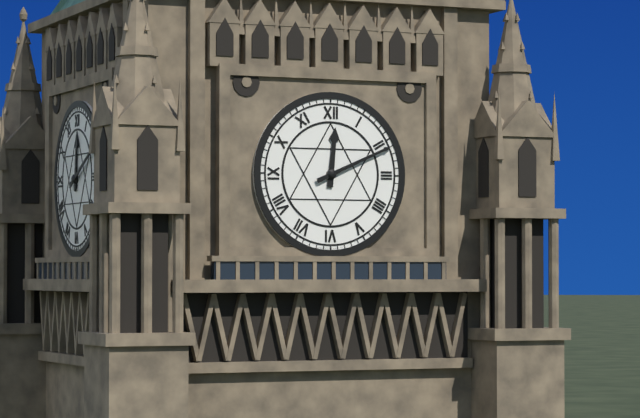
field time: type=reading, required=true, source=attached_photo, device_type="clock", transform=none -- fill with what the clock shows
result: 12:11
